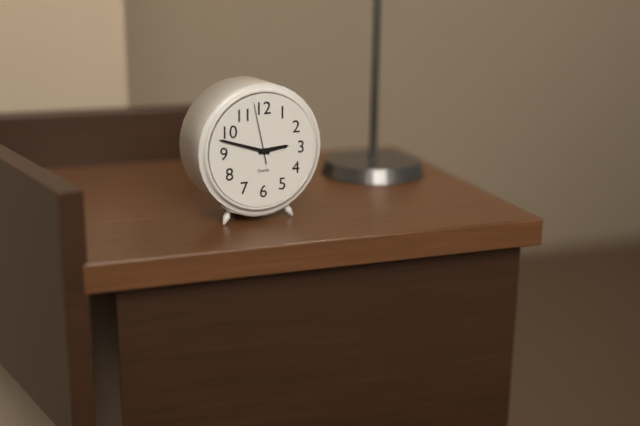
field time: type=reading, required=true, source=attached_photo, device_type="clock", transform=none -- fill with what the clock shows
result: 2:48:58
